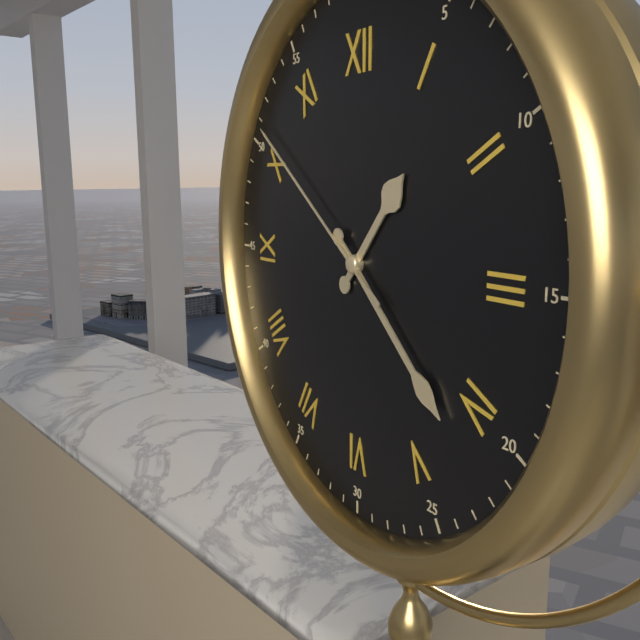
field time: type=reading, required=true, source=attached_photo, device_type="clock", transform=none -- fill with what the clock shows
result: 1:22:51
